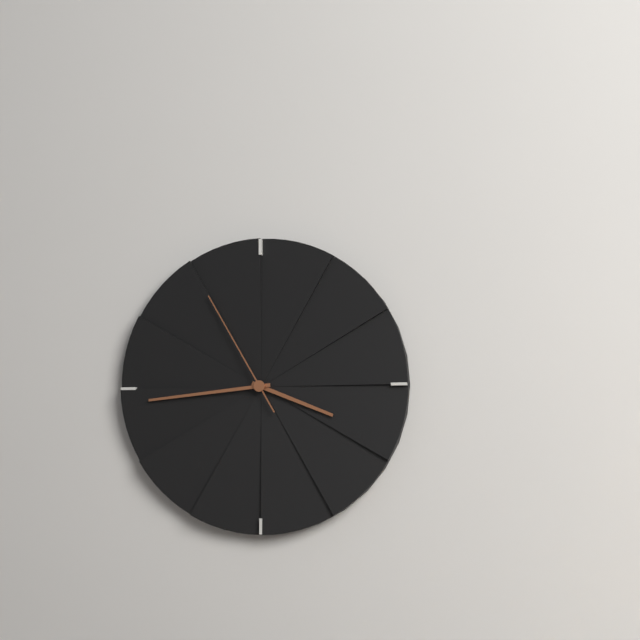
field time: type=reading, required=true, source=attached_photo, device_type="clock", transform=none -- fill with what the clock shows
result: 3:44:55
